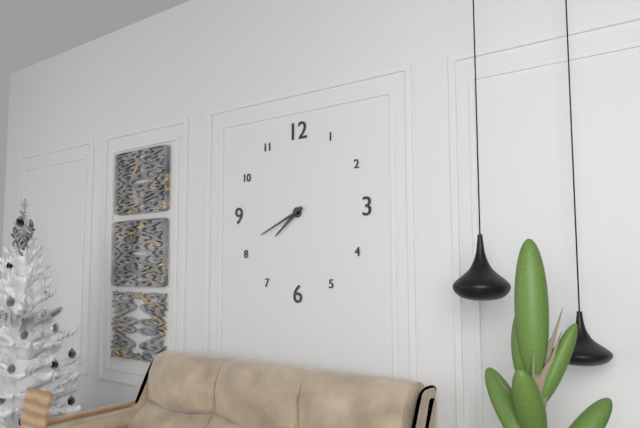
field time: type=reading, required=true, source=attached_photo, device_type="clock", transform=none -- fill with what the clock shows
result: 7:41
